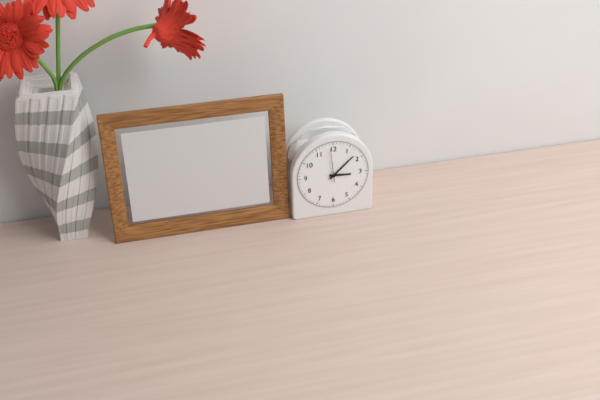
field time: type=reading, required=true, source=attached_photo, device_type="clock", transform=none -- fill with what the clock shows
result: 3:08
